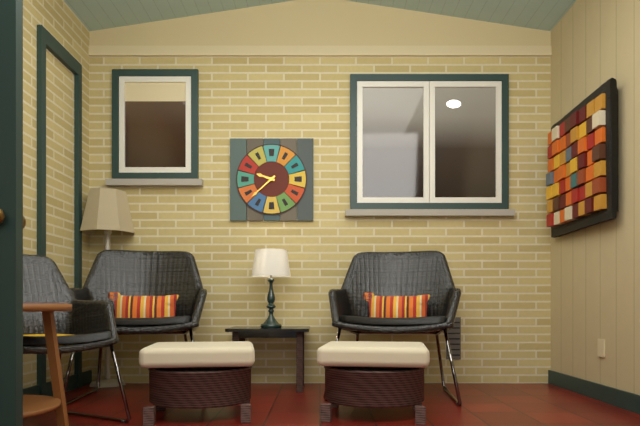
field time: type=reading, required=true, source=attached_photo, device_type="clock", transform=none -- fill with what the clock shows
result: 9:38
